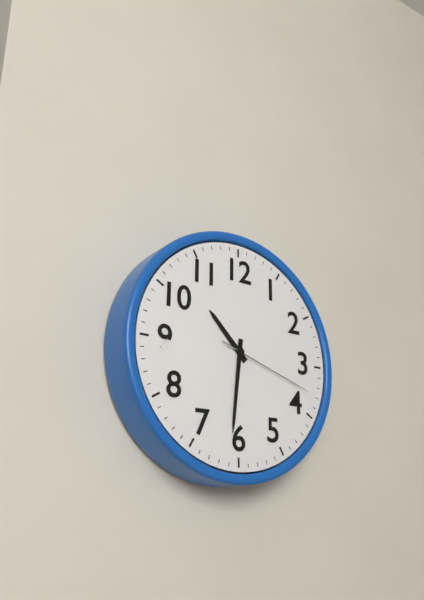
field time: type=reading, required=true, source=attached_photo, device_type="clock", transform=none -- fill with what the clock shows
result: 10:31:18
